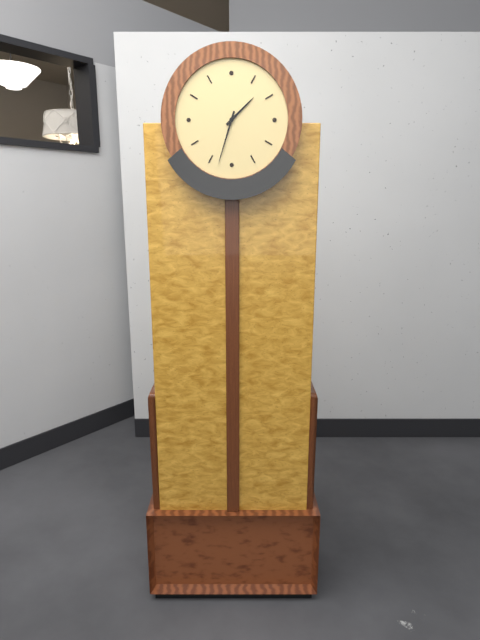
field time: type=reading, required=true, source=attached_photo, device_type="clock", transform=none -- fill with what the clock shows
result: 1:33
